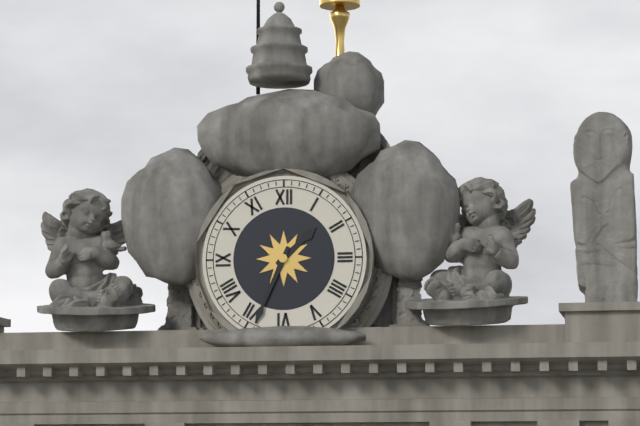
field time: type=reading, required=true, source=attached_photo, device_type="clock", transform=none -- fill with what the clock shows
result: 1:34
